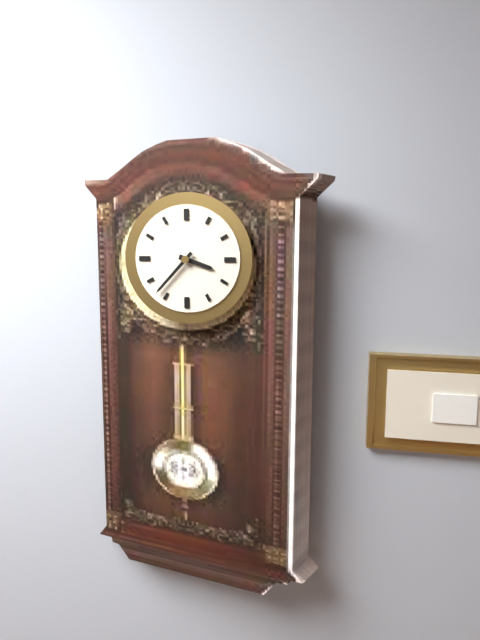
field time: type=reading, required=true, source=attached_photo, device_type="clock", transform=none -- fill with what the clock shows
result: 3:37
